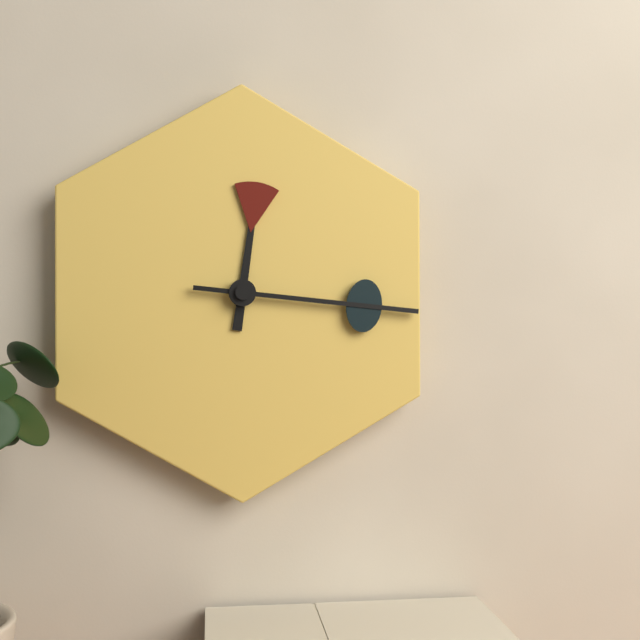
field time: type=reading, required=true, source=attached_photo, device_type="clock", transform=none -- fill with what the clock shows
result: 12:16
